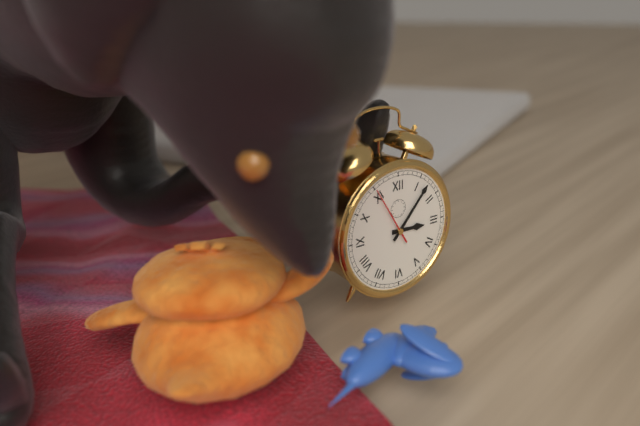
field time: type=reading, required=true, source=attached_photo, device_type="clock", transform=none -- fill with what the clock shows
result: 3:07:55
